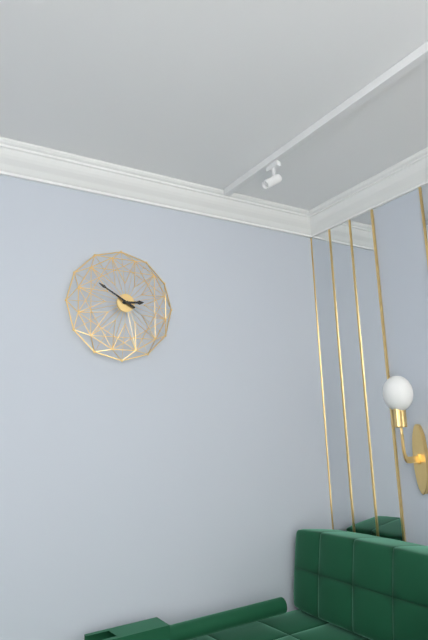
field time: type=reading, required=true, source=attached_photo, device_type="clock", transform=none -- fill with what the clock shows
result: 2:50
